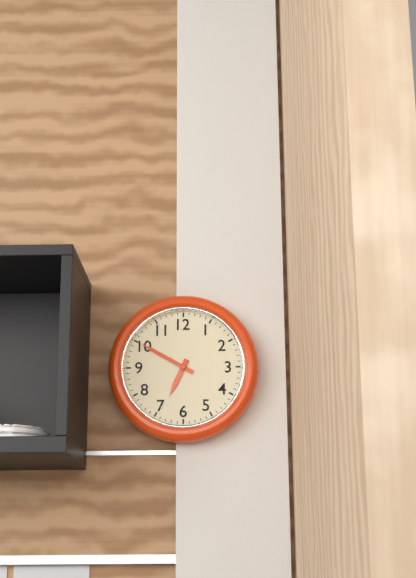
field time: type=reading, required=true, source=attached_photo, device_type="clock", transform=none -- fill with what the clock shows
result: 6:50
